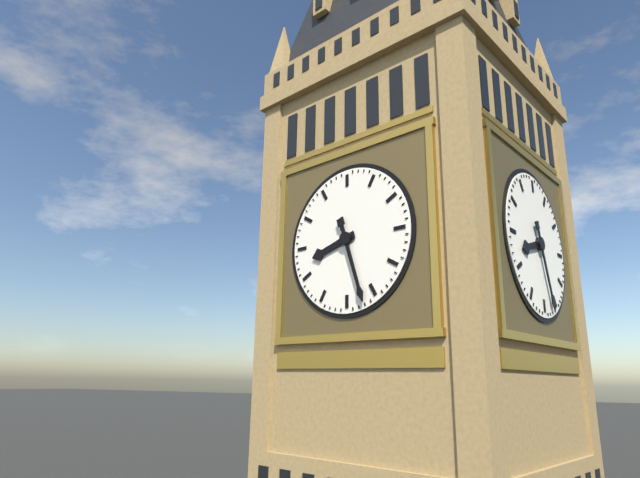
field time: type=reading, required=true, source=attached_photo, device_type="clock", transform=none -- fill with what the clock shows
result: 8:27
